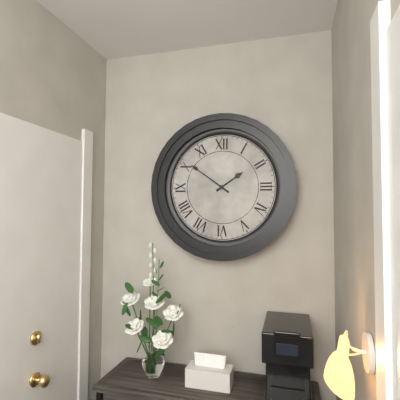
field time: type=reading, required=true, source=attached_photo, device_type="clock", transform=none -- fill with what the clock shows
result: 1:51
